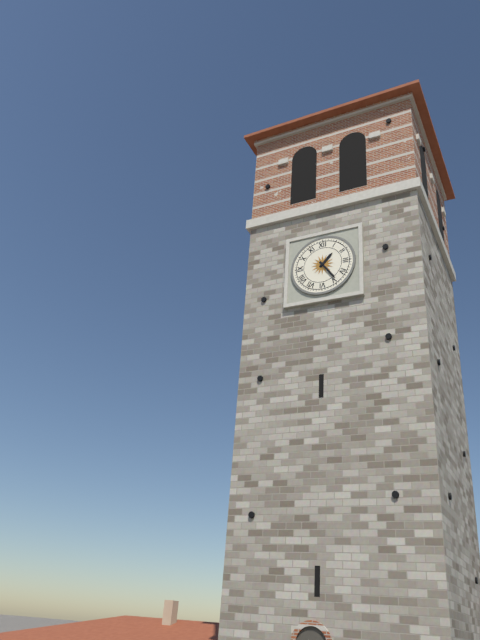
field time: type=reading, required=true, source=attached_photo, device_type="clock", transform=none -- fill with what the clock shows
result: 1:24
